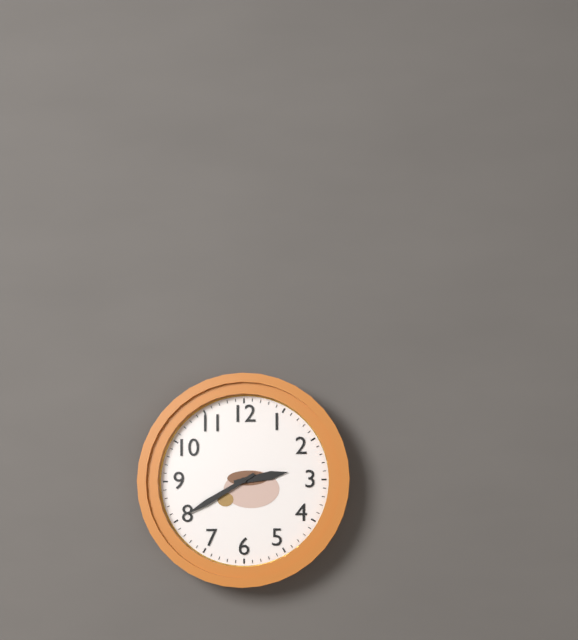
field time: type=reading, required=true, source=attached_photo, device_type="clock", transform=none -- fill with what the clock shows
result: 2:40
